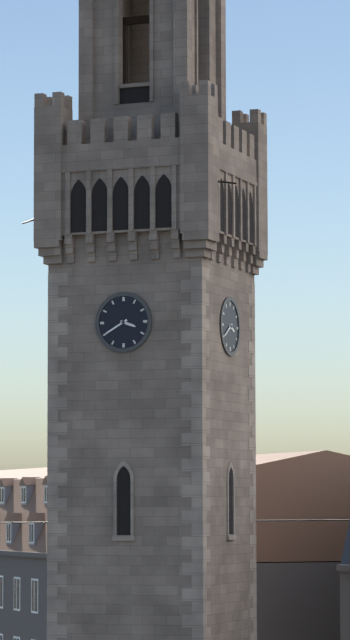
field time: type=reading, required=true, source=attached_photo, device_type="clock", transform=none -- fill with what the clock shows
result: 3:40
